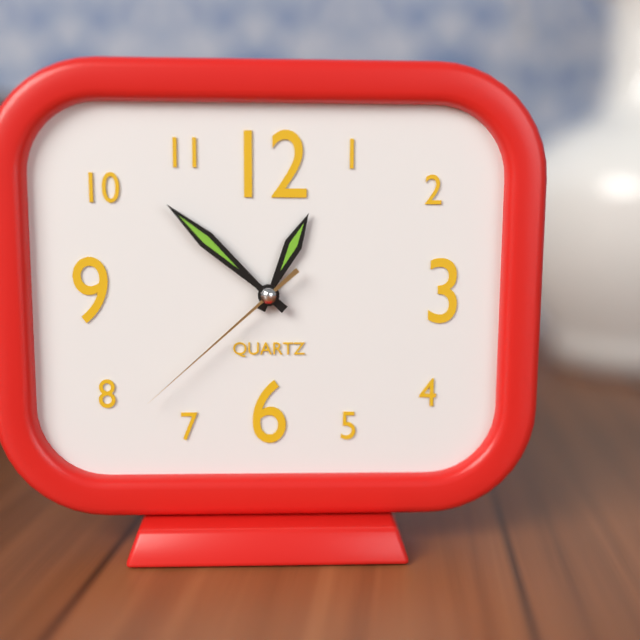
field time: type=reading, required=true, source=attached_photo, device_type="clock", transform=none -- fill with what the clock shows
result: 12:52:38
